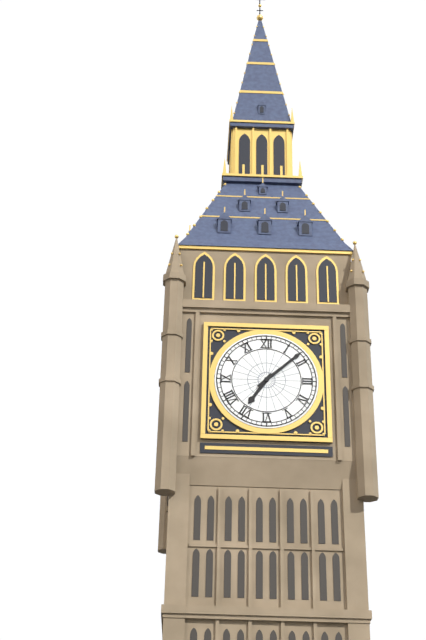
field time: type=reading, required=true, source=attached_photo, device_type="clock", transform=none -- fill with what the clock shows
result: 7:08
